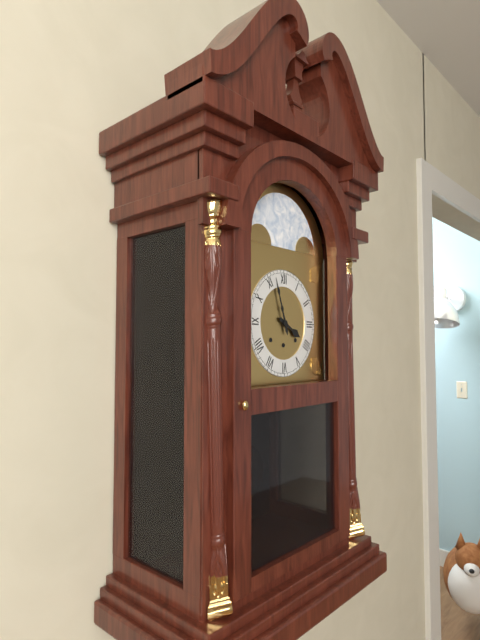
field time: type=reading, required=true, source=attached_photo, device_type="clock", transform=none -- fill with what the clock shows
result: 3:57
